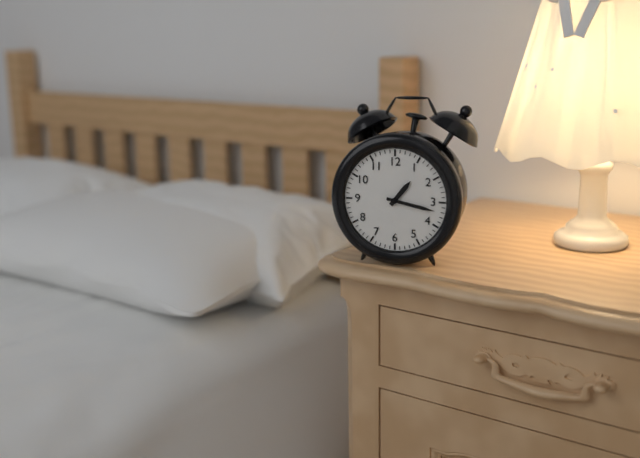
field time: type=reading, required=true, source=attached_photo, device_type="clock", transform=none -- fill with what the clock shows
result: 1:17
